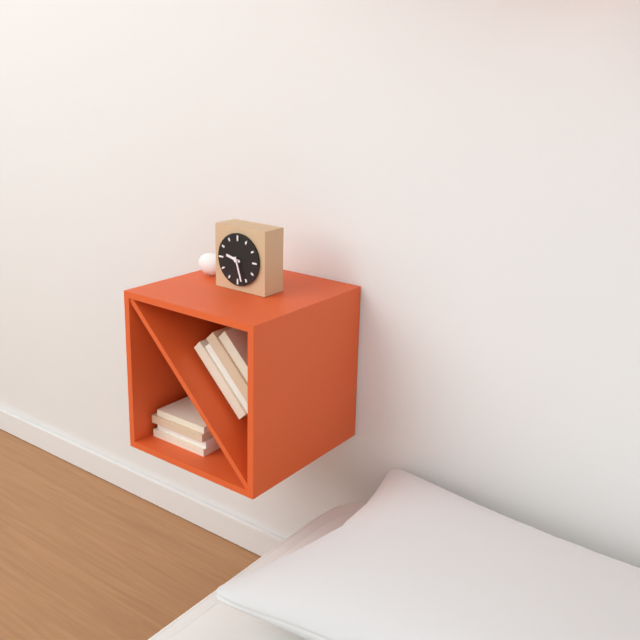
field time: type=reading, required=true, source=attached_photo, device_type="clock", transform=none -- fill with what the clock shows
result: 9:27
